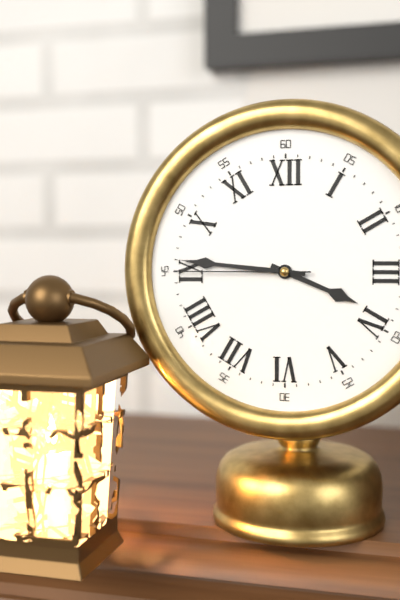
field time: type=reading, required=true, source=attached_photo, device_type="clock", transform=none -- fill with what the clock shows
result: 3:46:45
